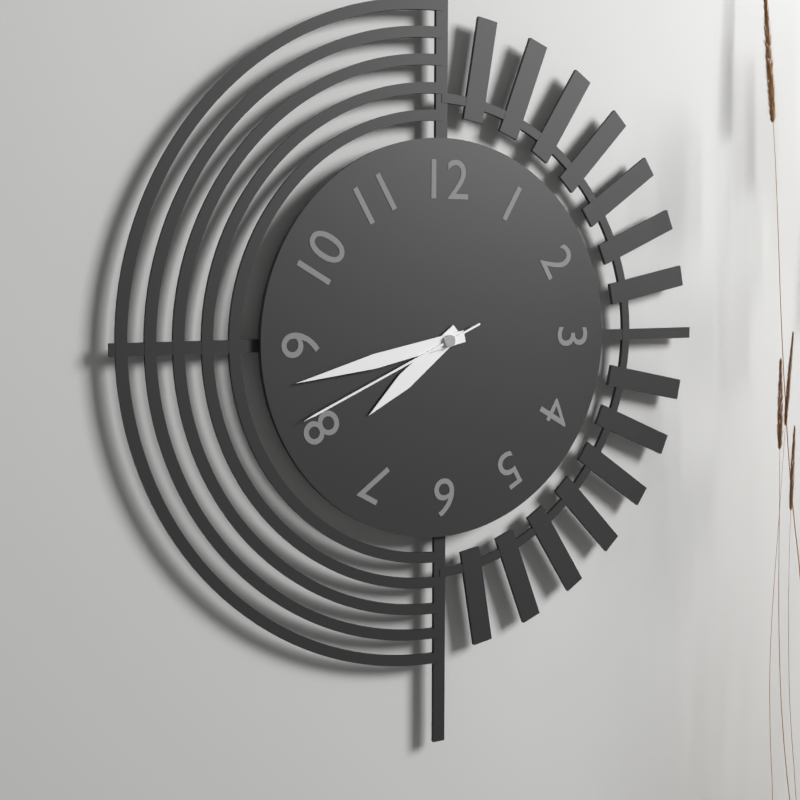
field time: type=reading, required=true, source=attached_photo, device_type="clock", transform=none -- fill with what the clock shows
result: 7:43:41
